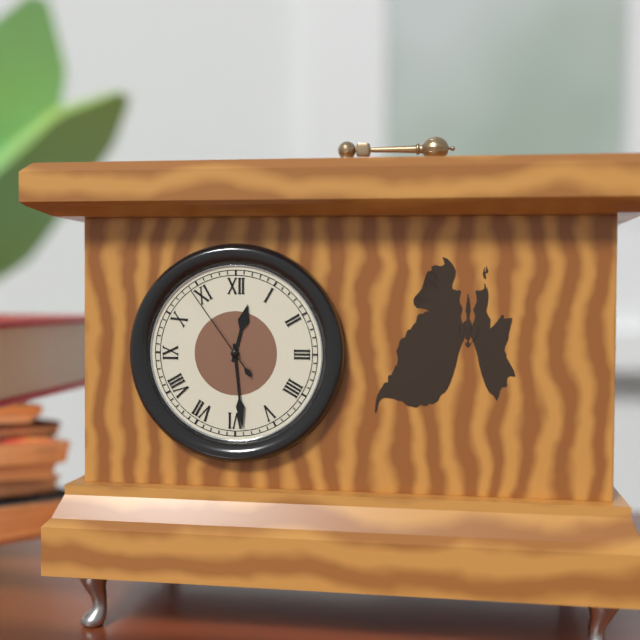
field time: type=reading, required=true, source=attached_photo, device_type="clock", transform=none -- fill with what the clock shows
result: 12:29:54
